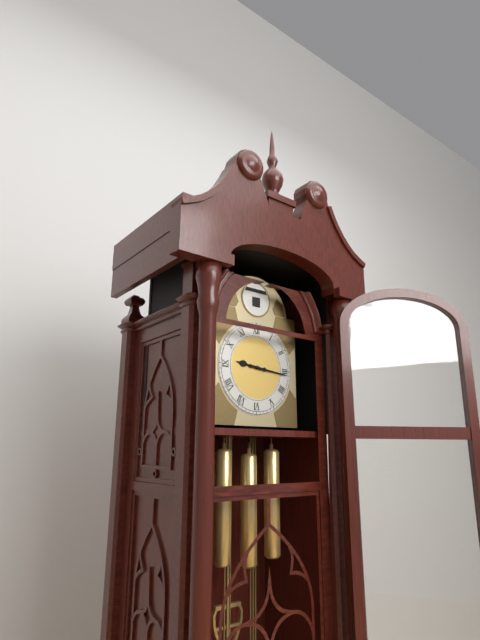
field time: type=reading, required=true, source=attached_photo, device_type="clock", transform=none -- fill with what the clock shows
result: 9:16
